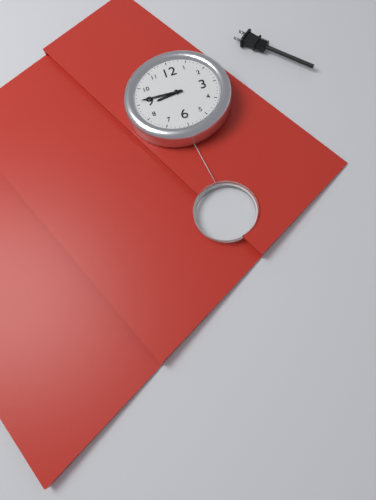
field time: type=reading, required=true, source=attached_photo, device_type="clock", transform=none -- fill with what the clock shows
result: 8:46
